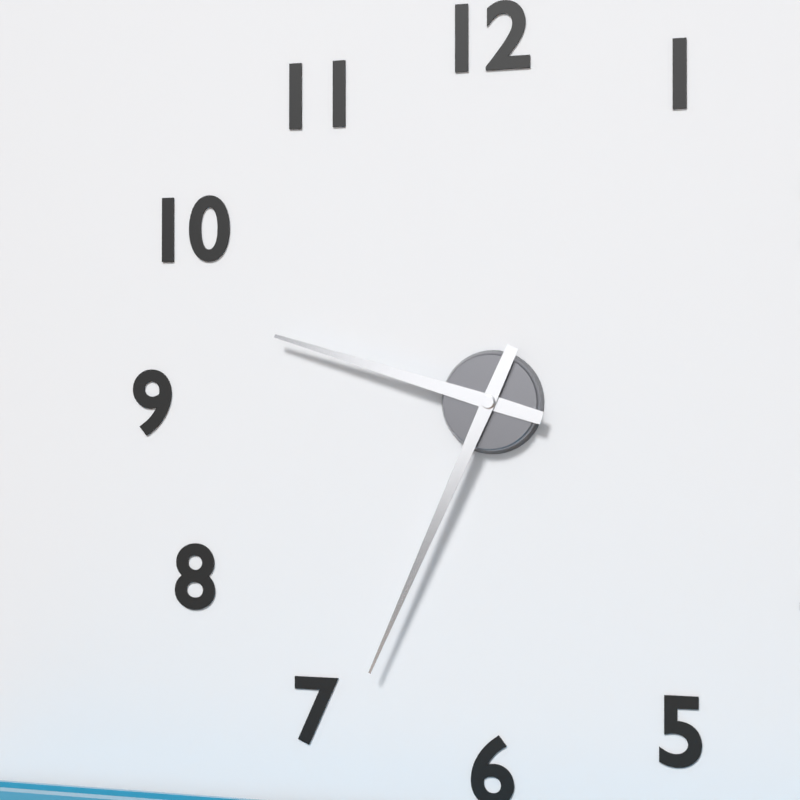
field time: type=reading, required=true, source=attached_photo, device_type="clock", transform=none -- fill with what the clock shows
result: 9:34
